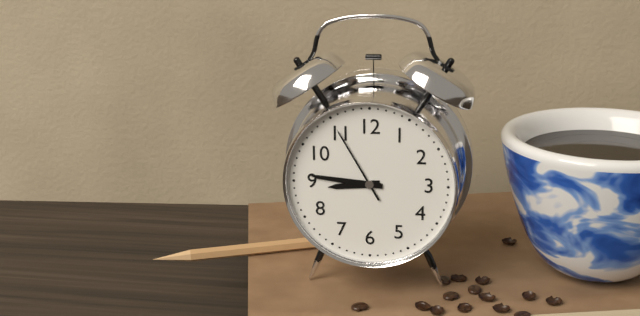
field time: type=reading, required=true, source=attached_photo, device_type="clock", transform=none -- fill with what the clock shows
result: 8:46:55
